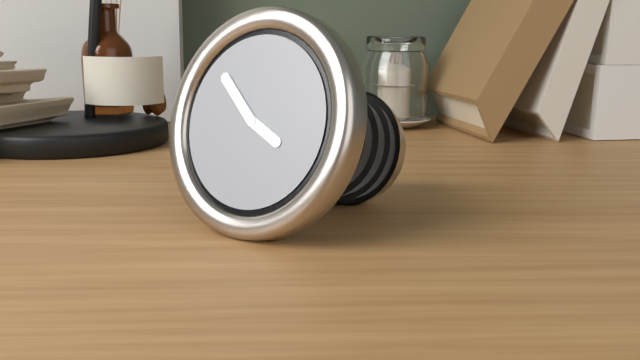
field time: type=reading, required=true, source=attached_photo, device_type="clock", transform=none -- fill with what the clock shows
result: 3:52
